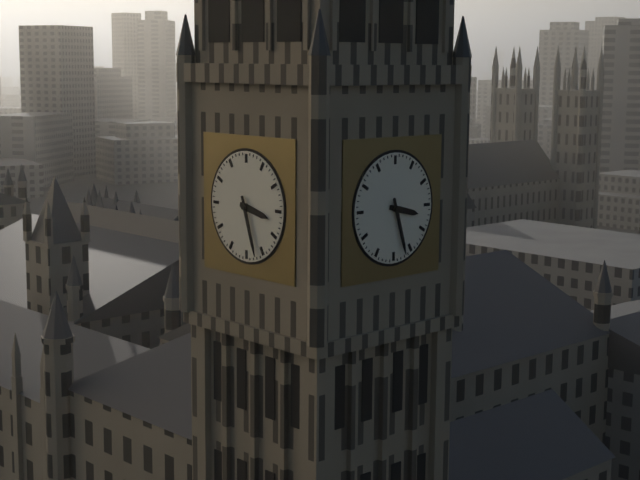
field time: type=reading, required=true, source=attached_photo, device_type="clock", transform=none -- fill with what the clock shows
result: 3:27
